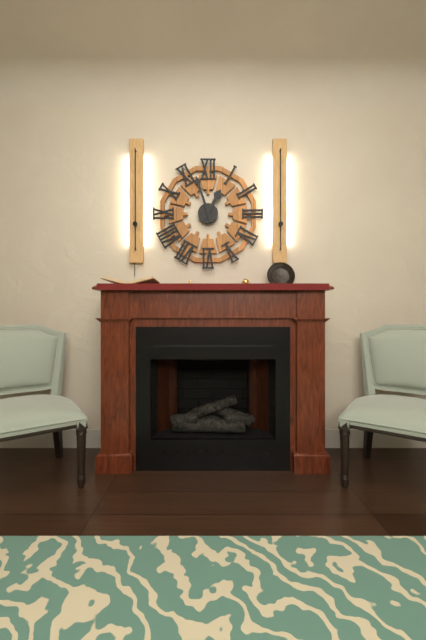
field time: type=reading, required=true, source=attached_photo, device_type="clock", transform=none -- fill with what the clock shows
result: 12:57
